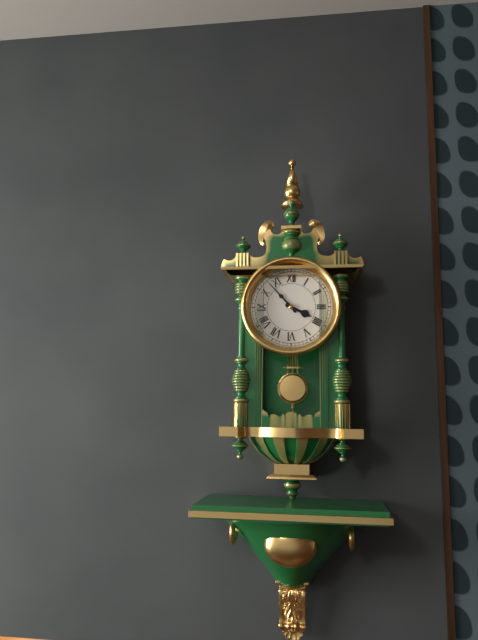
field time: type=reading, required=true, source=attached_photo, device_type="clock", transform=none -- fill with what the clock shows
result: 3:53
